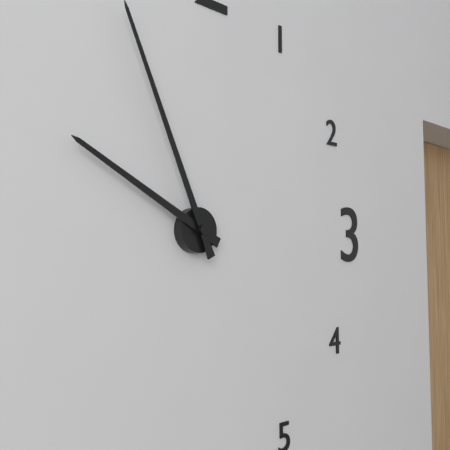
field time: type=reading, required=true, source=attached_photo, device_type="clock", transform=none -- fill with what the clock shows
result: 9:56
